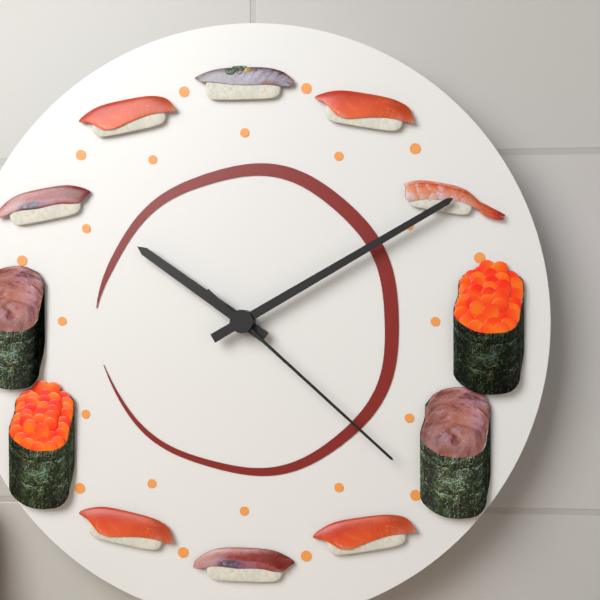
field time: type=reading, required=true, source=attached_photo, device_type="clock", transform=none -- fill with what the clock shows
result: 10:10:22
